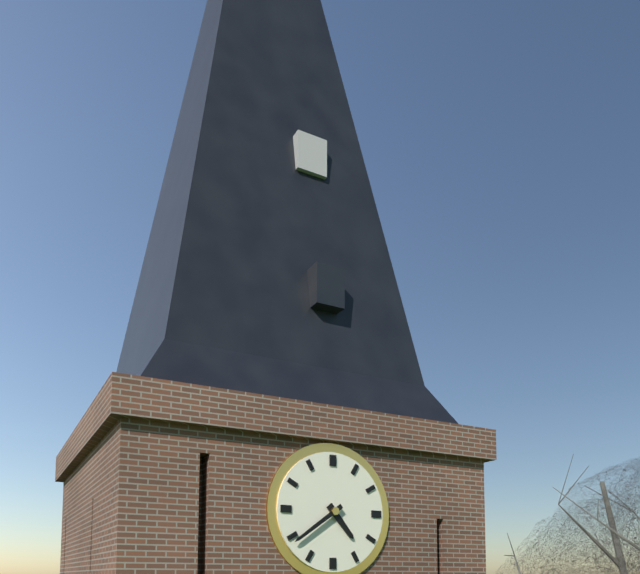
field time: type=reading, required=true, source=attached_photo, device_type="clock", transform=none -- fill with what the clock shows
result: 4:39
